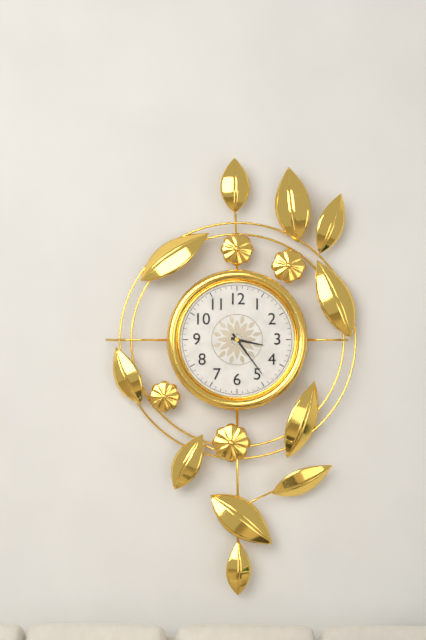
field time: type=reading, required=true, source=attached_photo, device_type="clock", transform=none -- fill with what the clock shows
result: 3:24
